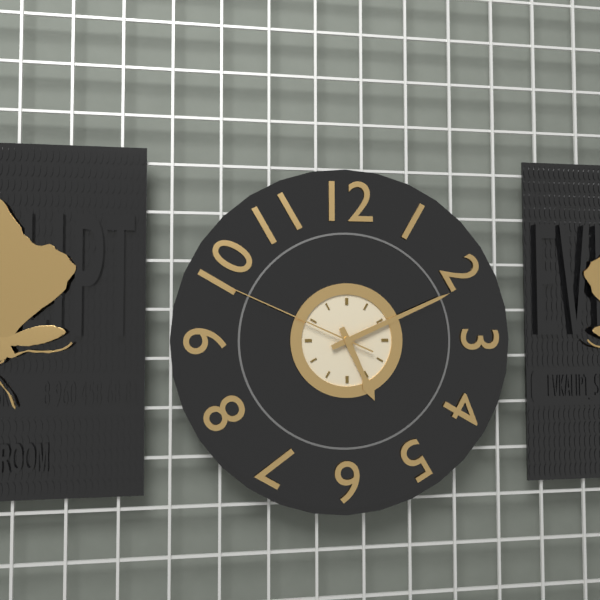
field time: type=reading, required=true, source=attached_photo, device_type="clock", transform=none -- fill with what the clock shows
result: 5:11:49
